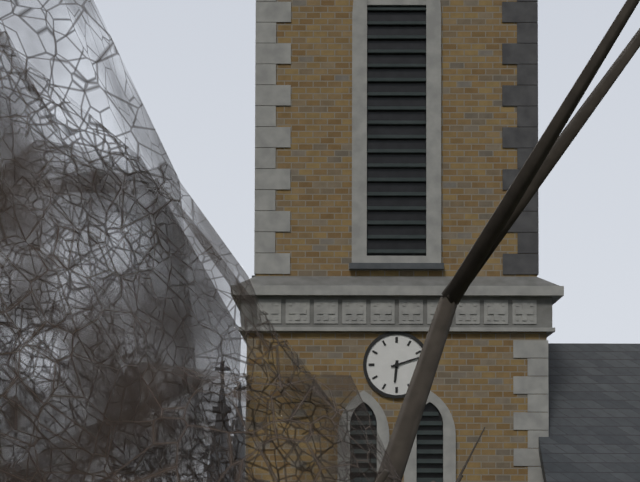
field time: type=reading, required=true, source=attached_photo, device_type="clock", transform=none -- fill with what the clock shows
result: 6:12
